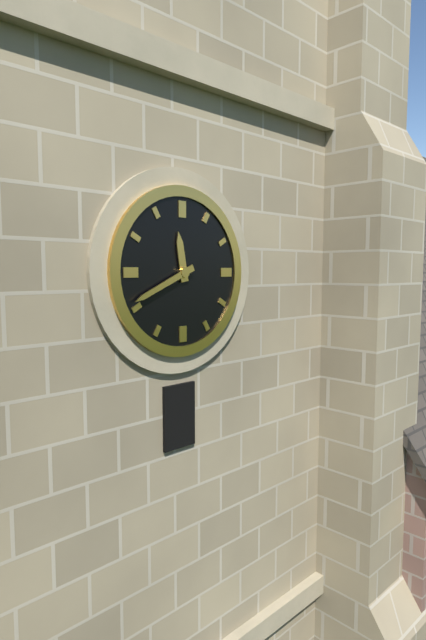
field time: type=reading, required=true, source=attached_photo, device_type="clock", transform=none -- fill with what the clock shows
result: 11:41
